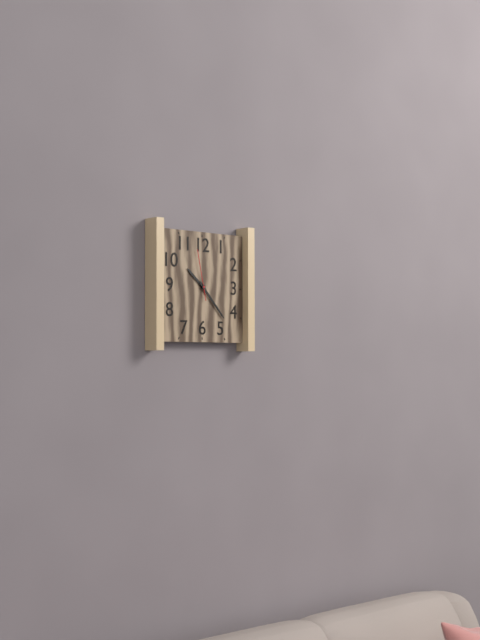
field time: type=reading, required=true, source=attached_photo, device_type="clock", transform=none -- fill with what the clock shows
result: 10:23
